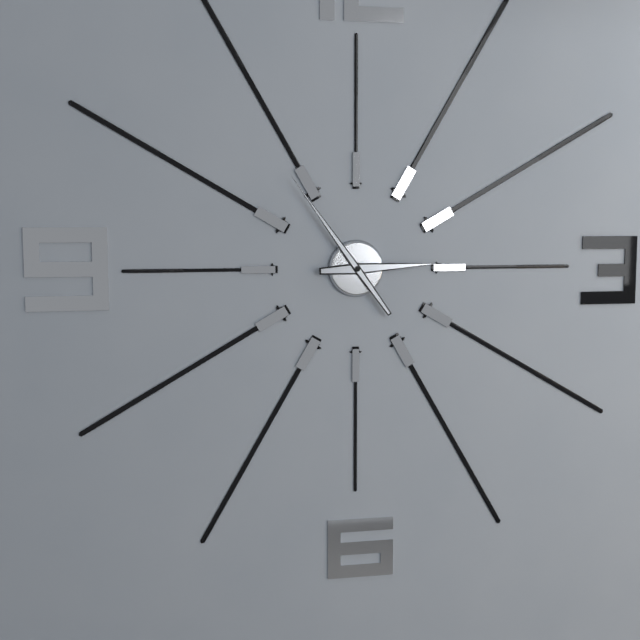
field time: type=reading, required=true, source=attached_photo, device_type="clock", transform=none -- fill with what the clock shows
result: 2:54
